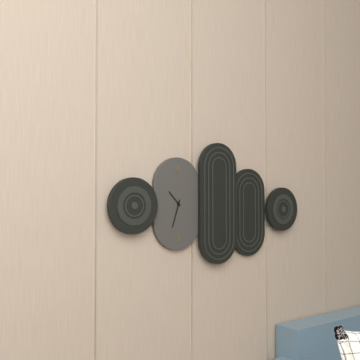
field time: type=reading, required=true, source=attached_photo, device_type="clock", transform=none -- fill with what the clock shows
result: 10:33
